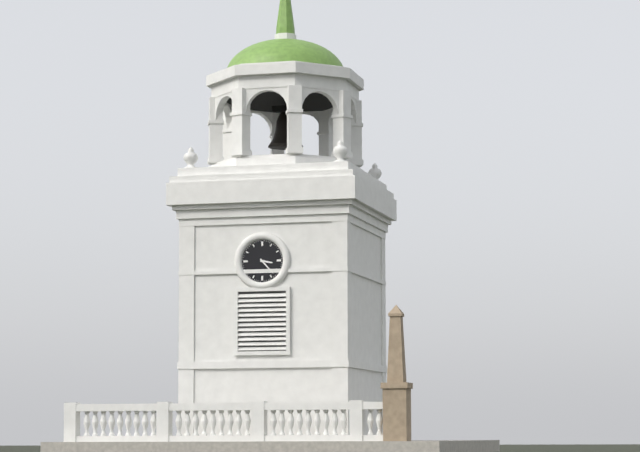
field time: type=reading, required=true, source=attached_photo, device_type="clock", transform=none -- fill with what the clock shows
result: 3:23
